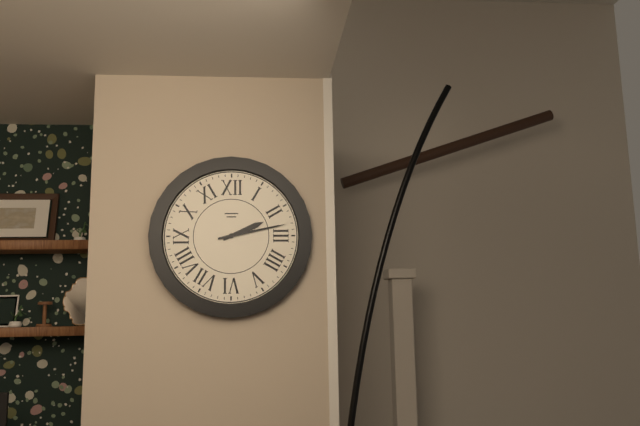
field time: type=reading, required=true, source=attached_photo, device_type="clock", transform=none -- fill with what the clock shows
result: 2:13
